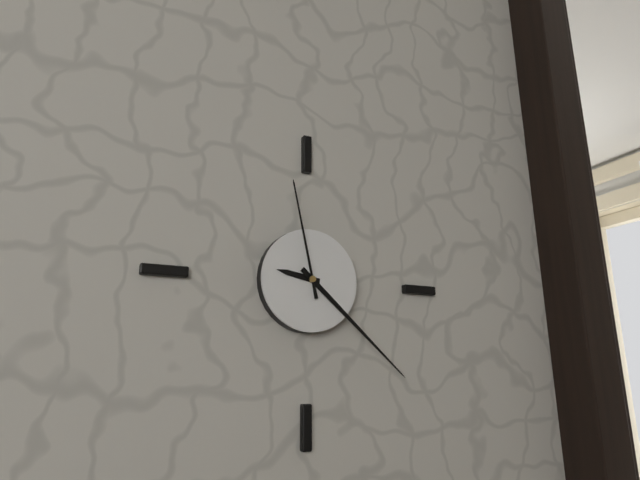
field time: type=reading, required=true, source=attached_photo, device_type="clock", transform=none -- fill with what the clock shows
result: 9:22:58
